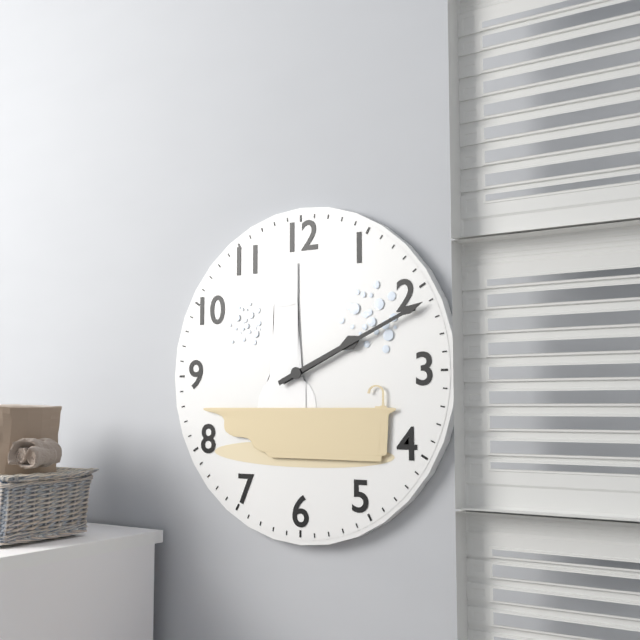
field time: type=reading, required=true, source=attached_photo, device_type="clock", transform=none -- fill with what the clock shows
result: 2:11
